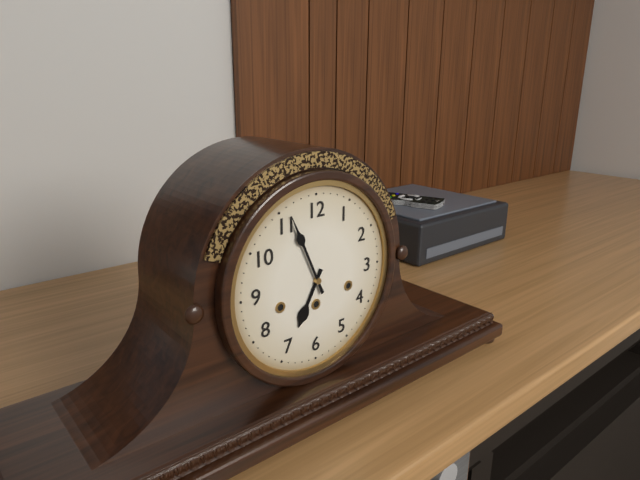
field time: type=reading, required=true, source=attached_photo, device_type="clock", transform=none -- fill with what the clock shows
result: 6:56
